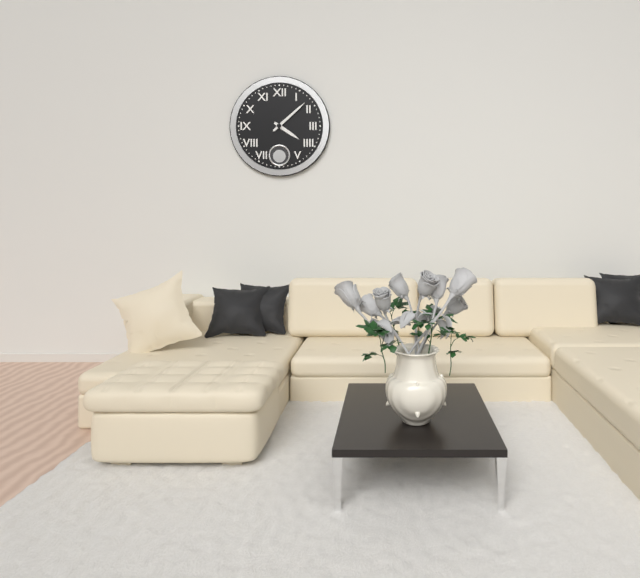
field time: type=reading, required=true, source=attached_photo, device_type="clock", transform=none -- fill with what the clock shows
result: 4:08
